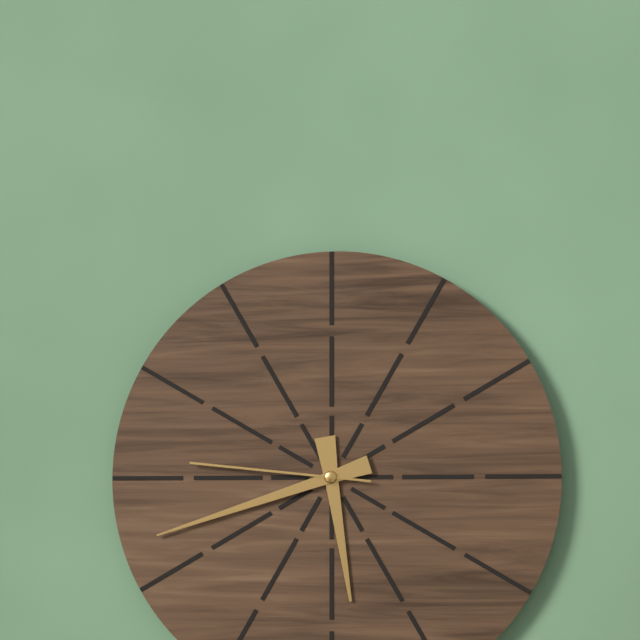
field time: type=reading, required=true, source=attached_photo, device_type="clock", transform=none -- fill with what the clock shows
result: 5:42:46
